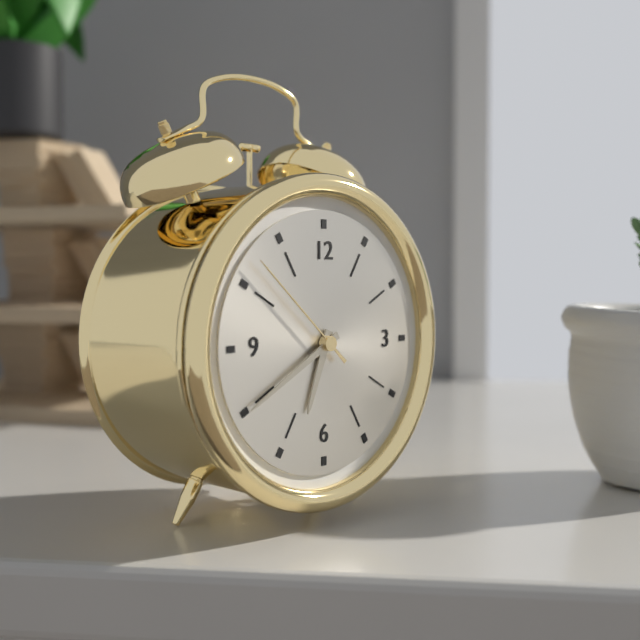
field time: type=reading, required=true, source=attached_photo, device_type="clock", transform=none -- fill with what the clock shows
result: 6:40:52
